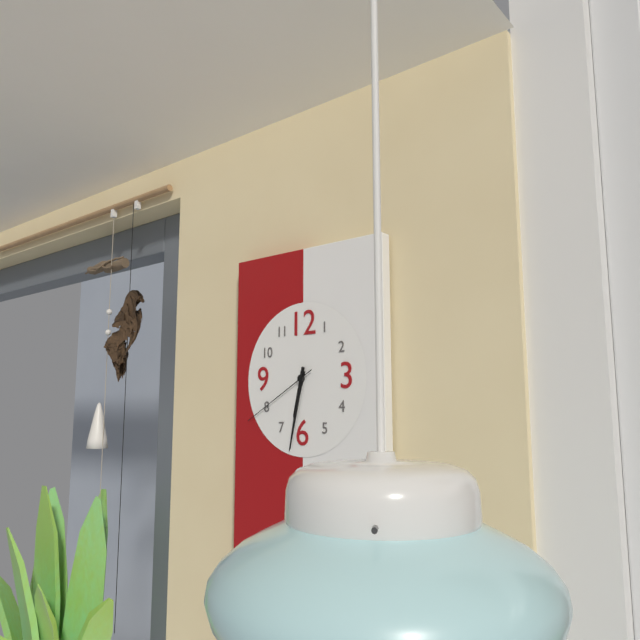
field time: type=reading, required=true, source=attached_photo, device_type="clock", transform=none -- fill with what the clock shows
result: 6:32:40
